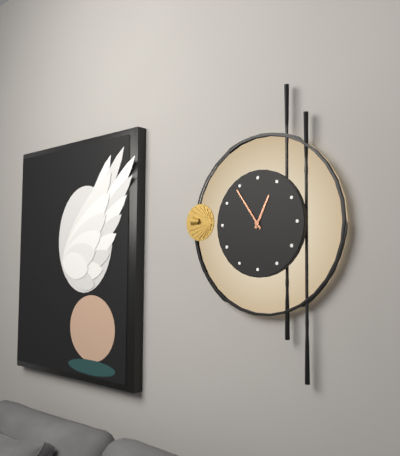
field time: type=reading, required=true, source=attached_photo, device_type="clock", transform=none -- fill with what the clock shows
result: 12:54
